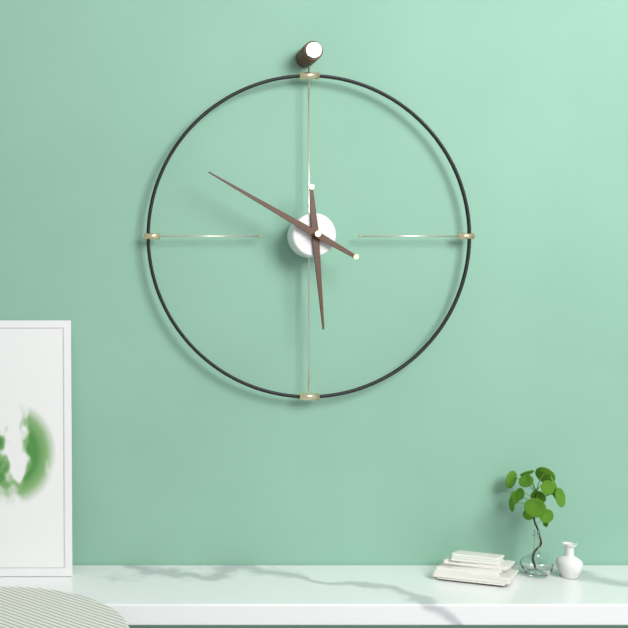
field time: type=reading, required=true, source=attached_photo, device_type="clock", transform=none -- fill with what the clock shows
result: 5:50
